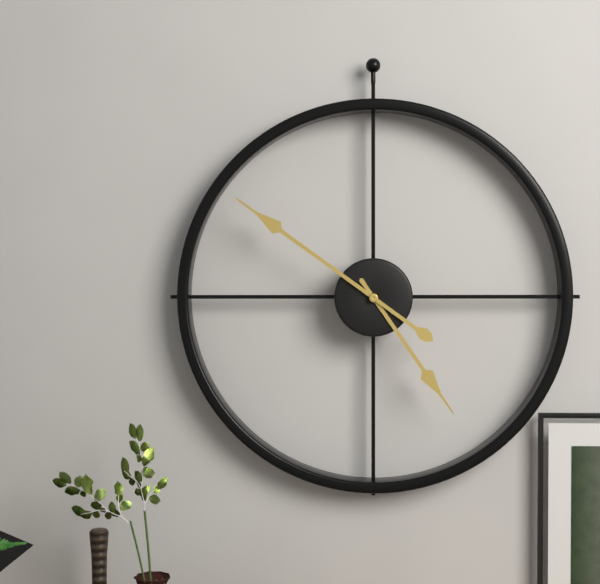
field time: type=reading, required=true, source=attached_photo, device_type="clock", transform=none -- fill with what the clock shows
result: 4:51
